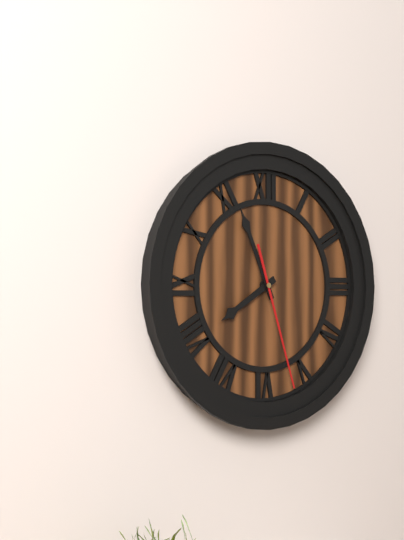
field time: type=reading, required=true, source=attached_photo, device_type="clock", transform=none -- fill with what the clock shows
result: 7:56:27
